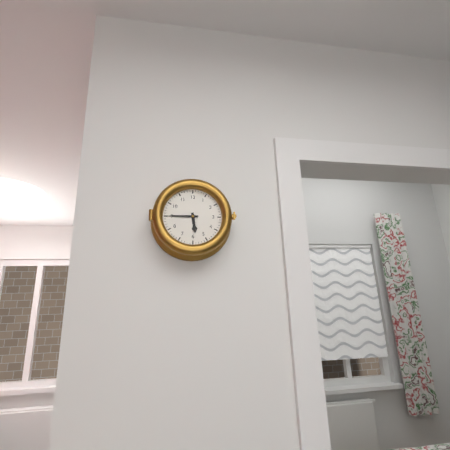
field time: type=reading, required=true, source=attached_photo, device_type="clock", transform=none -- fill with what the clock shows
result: 5:45
